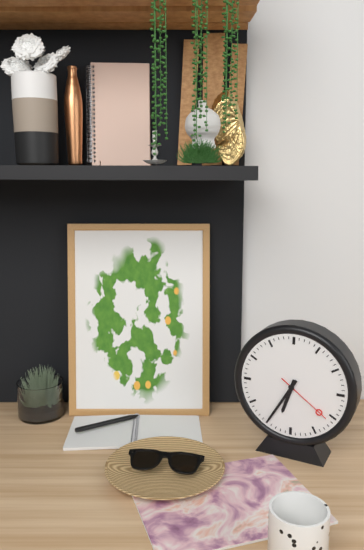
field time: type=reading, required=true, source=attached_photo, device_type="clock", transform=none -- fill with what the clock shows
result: 6:35:21
